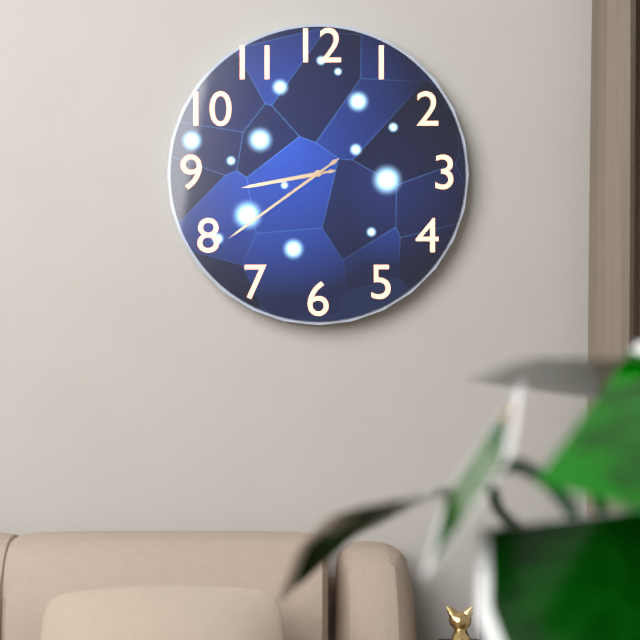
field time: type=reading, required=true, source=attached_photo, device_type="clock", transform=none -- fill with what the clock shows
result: 8:39
